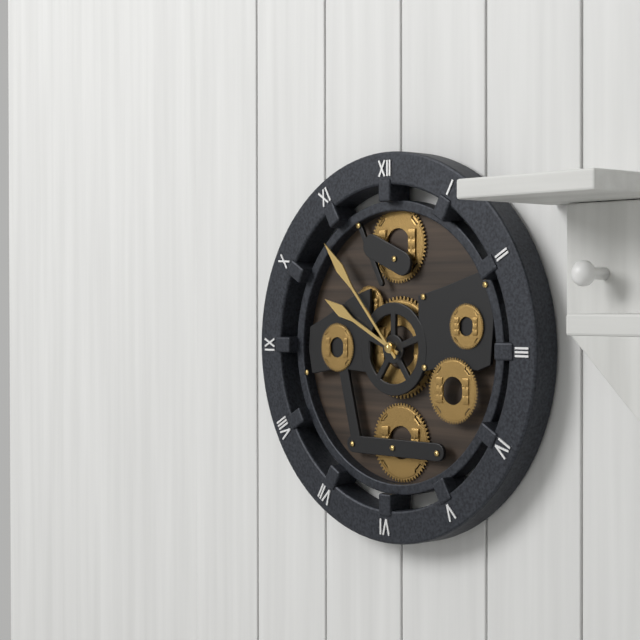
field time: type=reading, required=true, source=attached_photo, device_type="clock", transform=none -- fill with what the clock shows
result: 9:53
